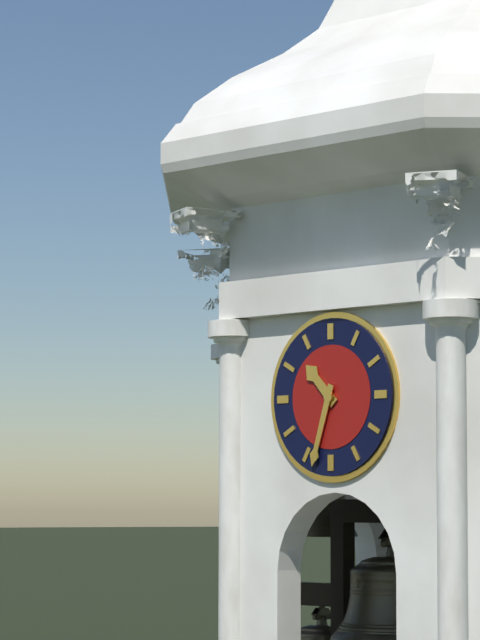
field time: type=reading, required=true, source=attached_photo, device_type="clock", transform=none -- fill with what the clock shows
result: 10:33
